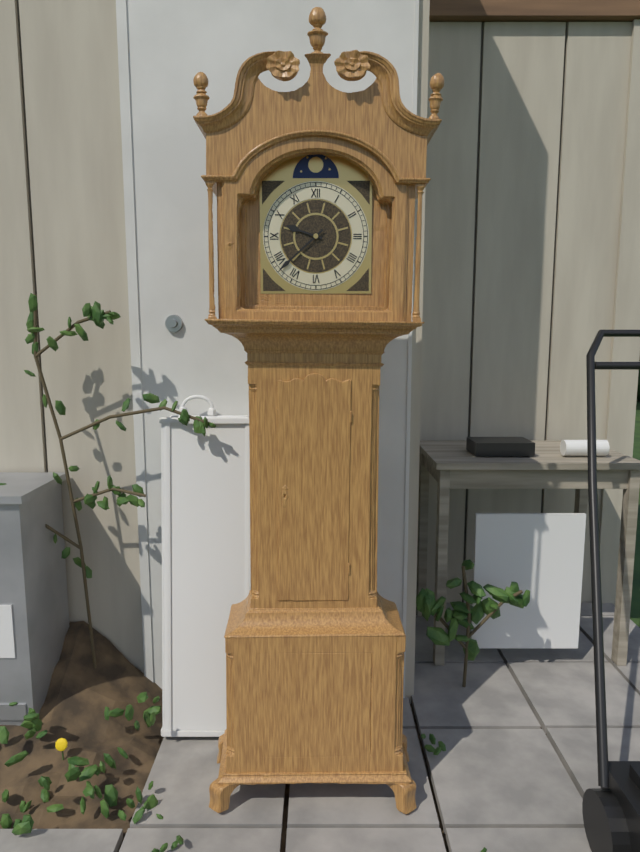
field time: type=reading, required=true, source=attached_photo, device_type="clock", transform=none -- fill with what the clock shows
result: 9:38
